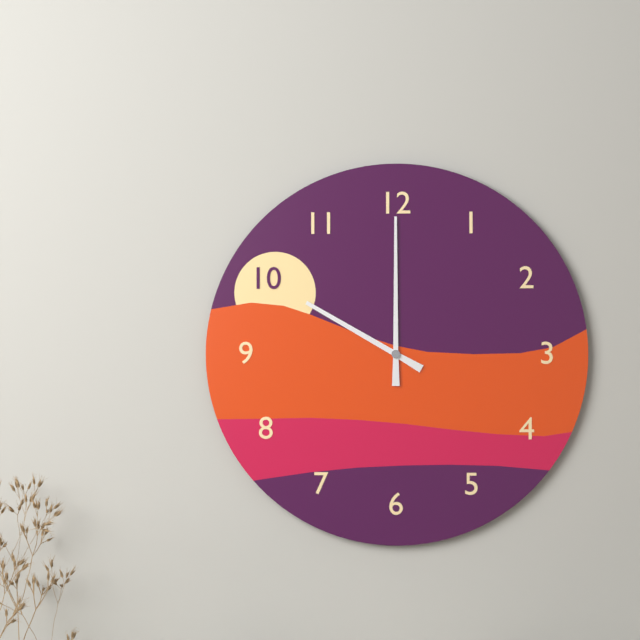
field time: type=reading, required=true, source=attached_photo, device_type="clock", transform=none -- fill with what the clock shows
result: 10:00
